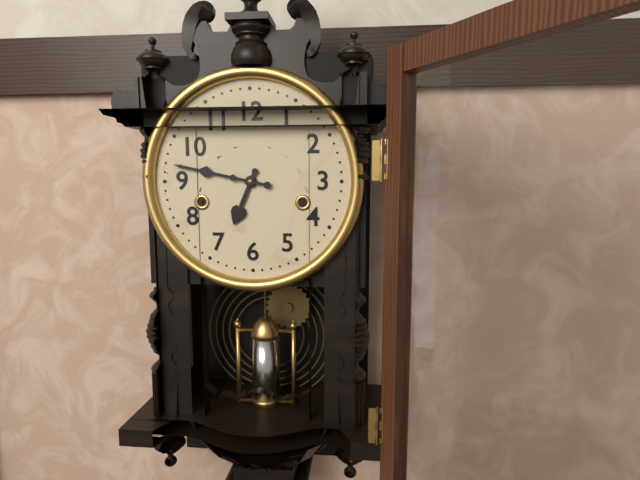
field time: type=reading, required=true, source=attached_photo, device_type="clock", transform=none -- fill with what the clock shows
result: 6:47
